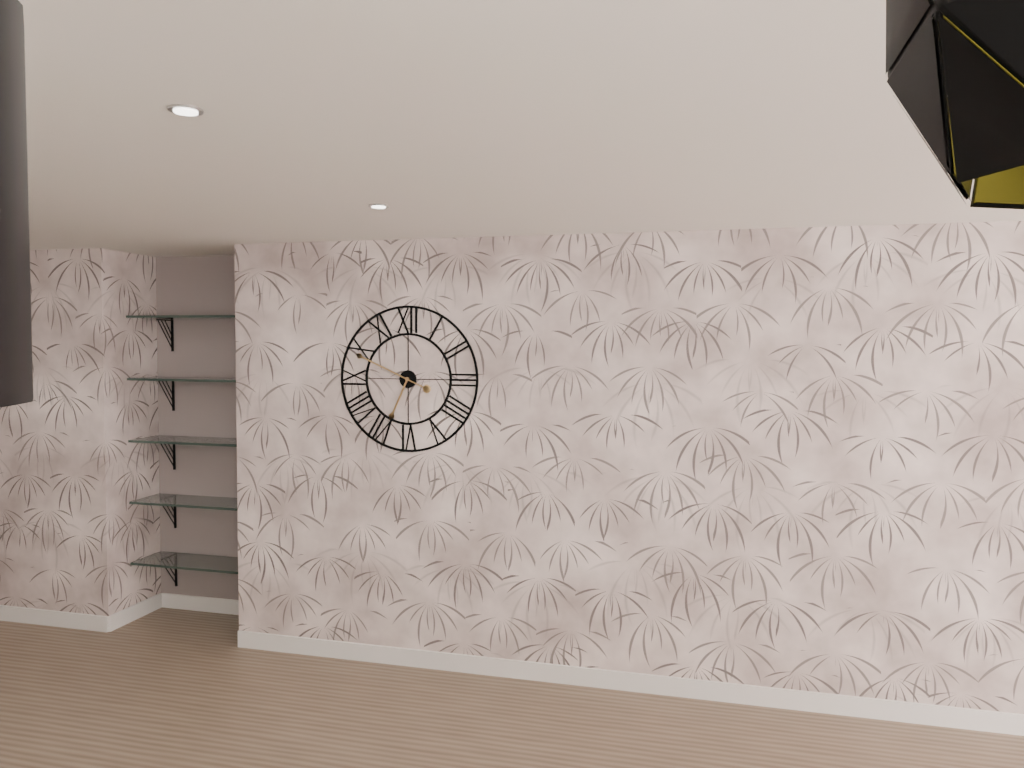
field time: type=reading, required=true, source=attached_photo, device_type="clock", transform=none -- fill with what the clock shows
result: 6:49
